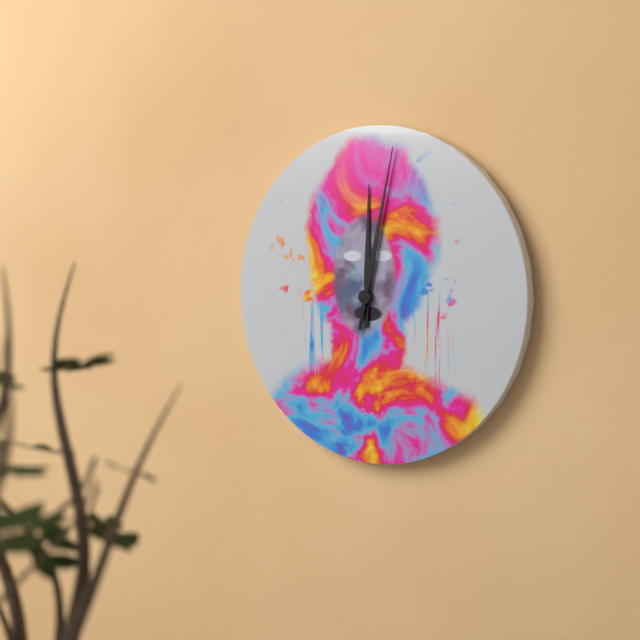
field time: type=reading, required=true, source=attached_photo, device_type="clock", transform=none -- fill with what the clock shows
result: 12:02
